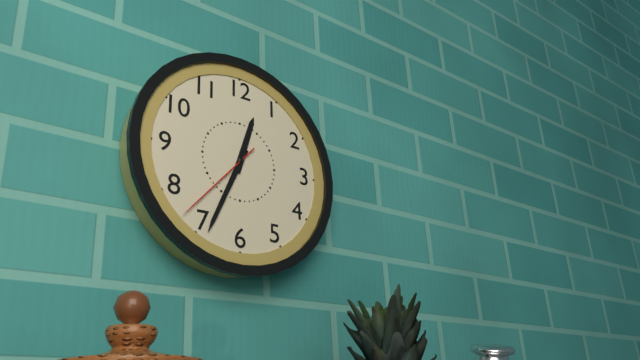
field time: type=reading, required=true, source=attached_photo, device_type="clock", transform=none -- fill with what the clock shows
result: 12:34:37
